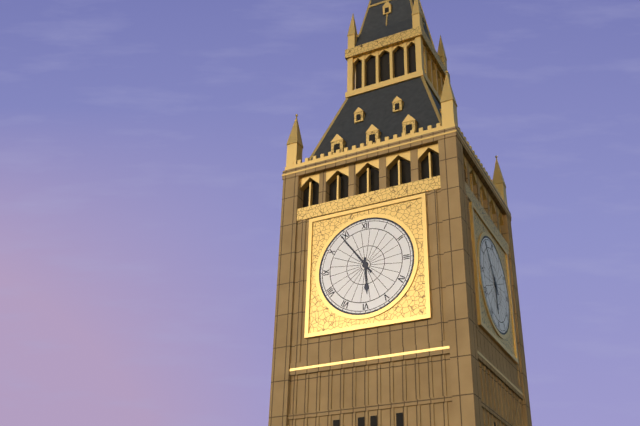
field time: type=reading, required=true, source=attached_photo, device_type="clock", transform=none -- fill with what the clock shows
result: 5:54
